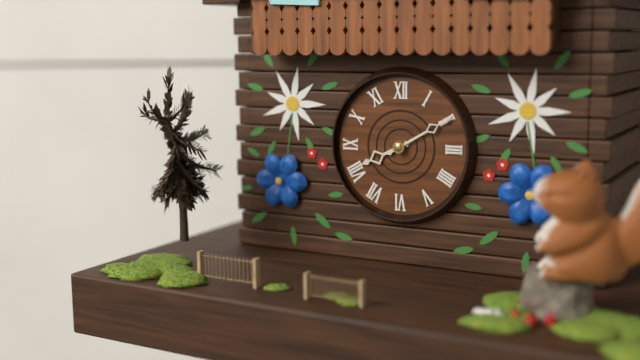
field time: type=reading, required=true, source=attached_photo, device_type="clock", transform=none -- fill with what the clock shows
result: 8:10
